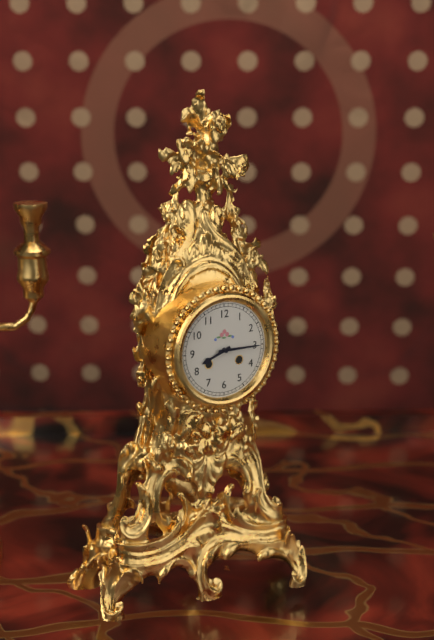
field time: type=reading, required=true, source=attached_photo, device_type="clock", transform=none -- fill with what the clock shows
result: 8:15
